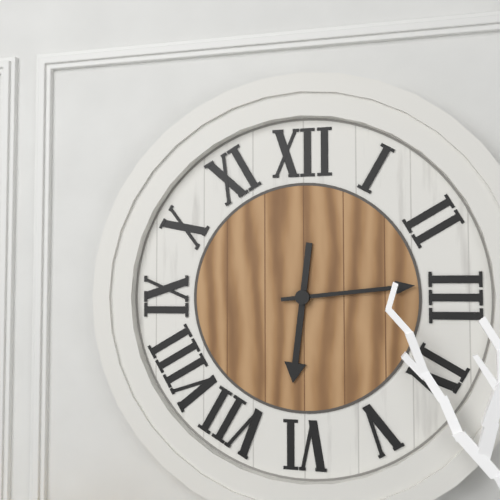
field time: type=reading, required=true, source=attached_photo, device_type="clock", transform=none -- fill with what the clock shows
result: 6:14
